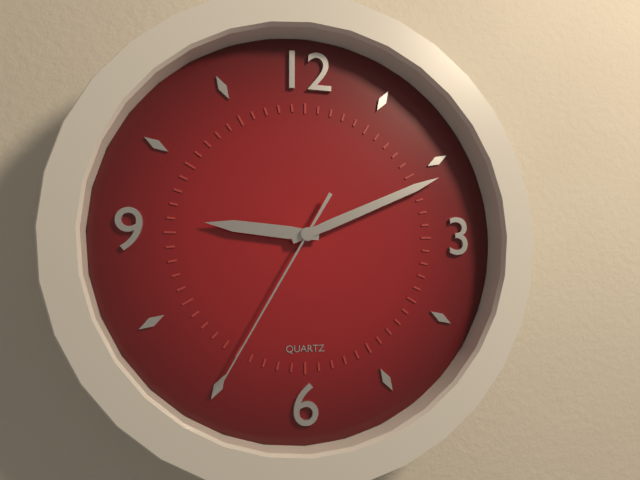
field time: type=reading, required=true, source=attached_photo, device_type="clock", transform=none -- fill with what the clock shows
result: 9:11:35
